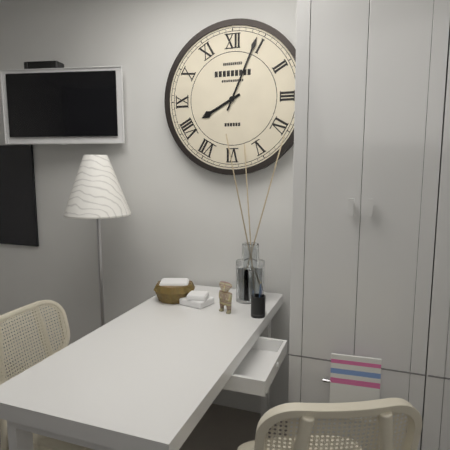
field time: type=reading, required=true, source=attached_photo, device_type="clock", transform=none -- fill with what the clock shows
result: 8:04
